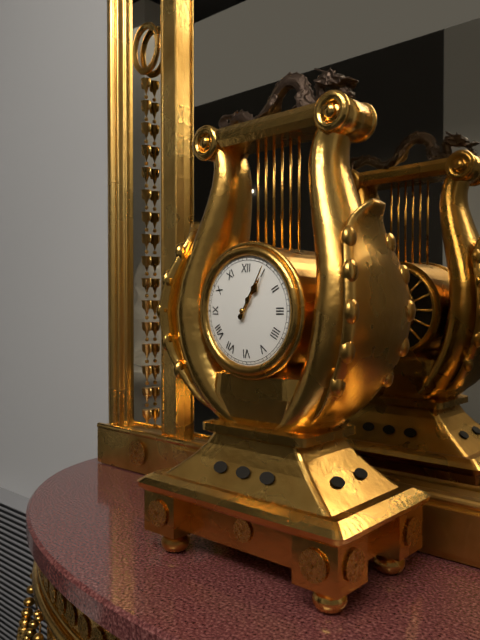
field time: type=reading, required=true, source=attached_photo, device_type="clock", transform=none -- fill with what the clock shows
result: 1:05
